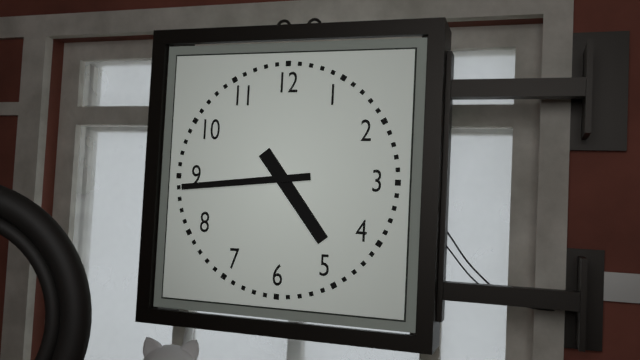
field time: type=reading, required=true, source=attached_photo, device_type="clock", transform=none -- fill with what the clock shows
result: 4:44
